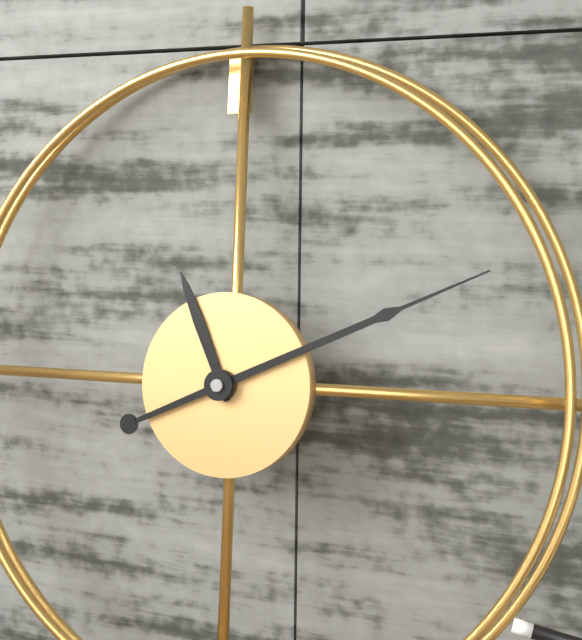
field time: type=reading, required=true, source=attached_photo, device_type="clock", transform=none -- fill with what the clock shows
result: 11:11
